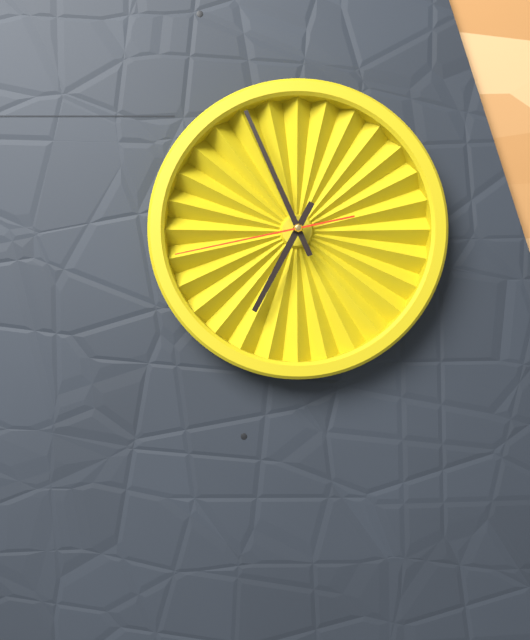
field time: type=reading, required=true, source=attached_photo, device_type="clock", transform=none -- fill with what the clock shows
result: 6:56:43
